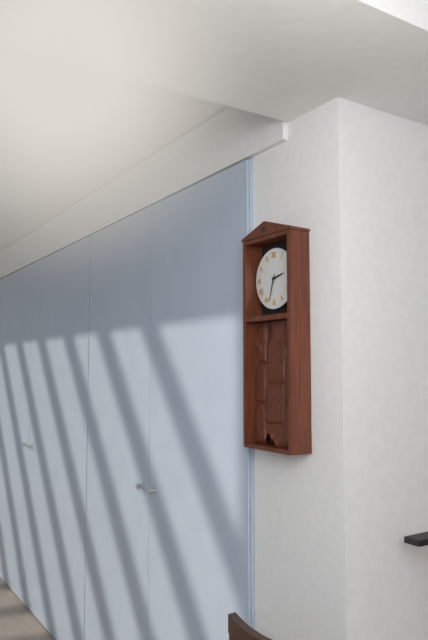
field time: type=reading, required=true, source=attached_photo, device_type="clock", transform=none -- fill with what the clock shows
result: 2:33
